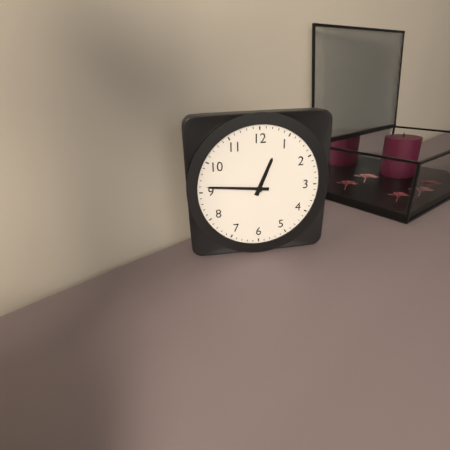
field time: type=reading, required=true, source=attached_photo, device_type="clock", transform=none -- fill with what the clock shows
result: 12:46
